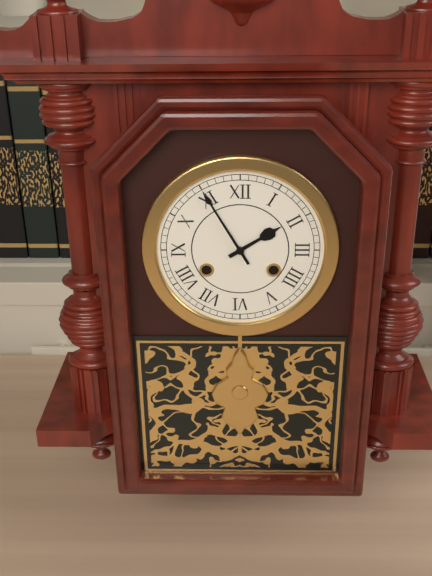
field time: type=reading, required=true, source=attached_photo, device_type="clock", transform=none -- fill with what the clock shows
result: 1:55
